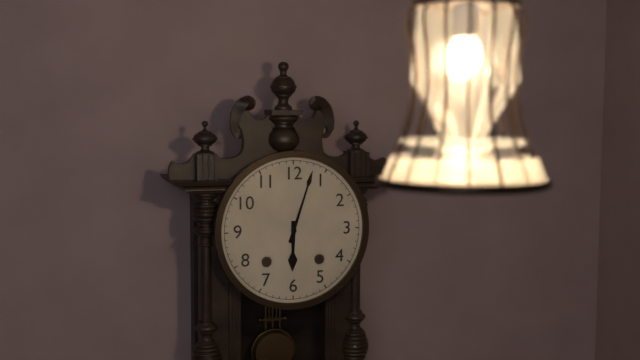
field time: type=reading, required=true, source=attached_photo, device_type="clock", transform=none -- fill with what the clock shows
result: 6:03
